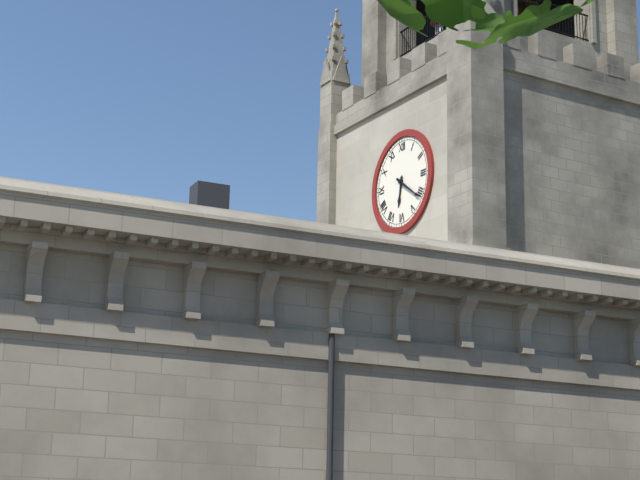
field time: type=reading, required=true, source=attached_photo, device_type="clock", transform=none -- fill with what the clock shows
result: 6:21
